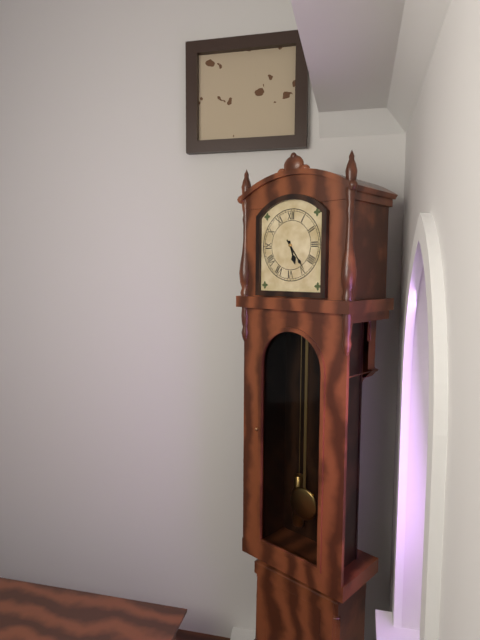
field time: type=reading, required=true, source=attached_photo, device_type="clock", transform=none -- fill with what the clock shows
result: 5:24
